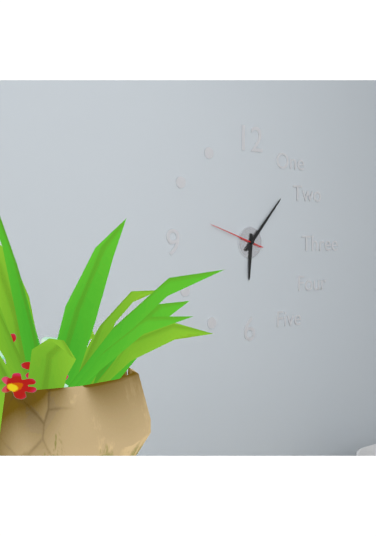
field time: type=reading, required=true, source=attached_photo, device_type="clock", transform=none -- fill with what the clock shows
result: 6:07:48
